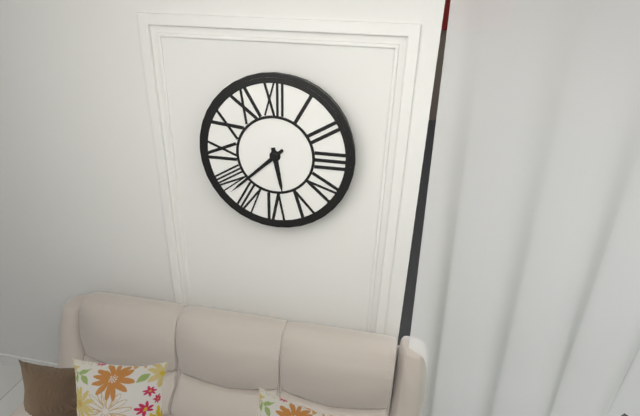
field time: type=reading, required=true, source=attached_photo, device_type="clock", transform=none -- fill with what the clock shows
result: 5:38
